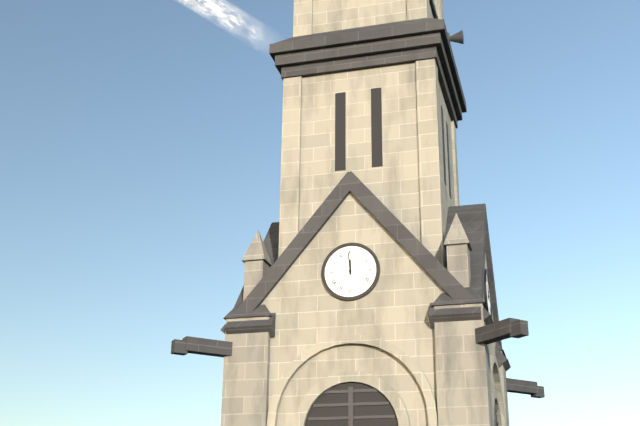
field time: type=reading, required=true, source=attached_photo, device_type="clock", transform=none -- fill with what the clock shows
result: 11:59
